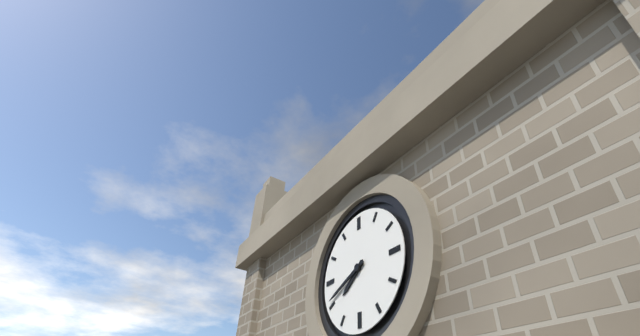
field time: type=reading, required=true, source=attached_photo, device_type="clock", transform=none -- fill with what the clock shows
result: 7:41
